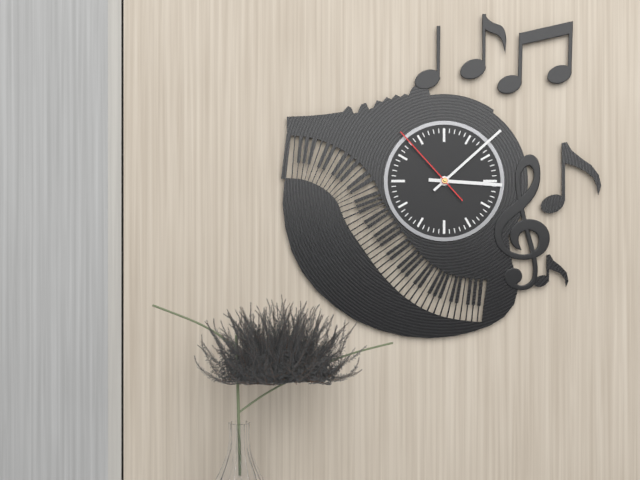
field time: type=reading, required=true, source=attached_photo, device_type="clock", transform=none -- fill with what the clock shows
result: 3:08:53
